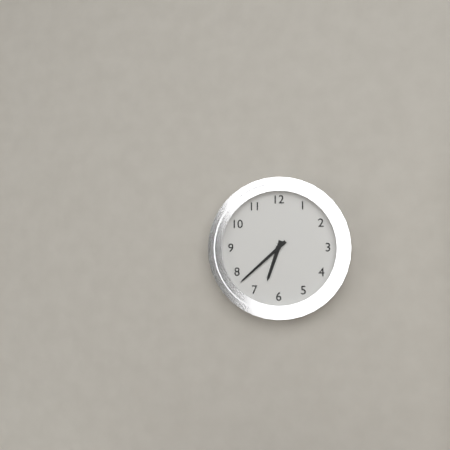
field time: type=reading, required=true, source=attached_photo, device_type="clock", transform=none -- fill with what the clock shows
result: 6:38
